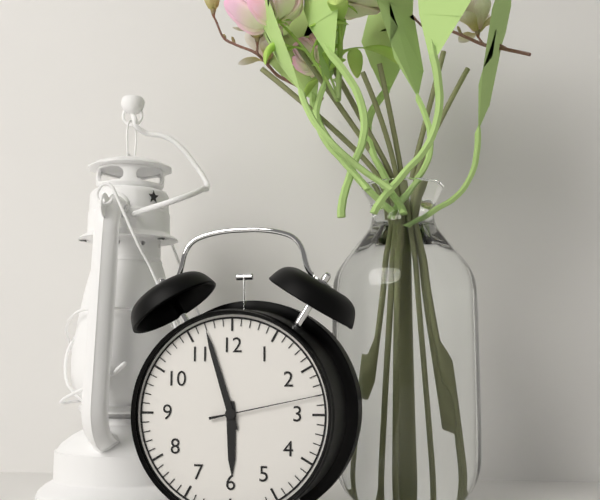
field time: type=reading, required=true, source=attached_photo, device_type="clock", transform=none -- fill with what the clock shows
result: 5:57:13
